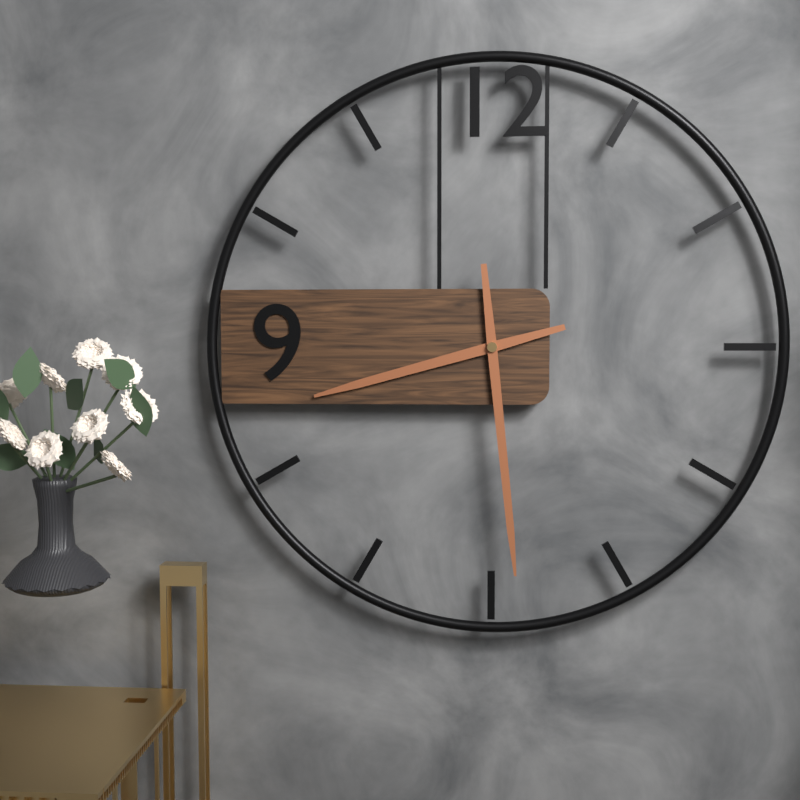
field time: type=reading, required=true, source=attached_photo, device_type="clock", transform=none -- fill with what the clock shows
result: 8:29
